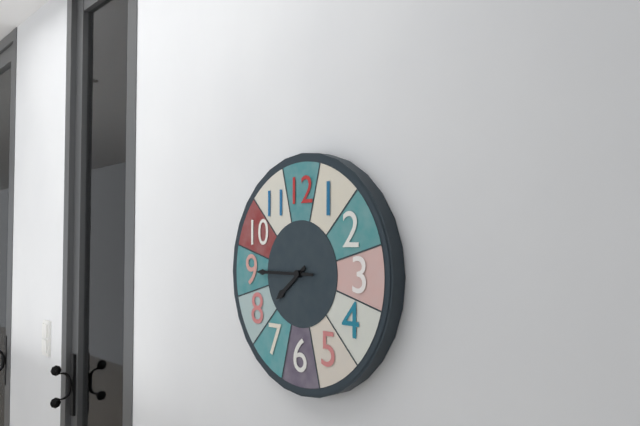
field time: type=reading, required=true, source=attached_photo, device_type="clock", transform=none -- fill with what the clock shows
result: 7:45
